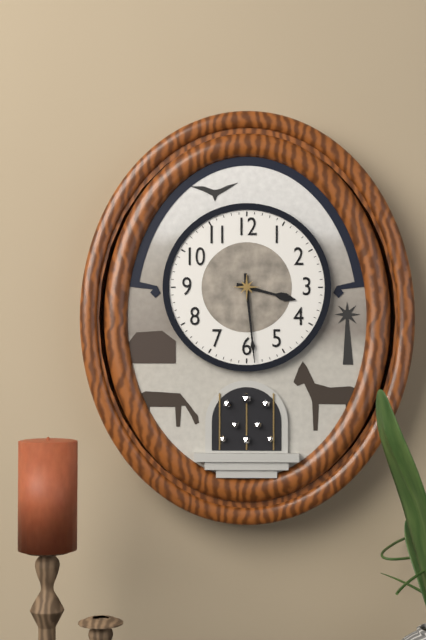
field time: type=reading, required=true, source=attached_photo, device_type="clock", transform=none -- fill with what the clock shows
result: 3:29
